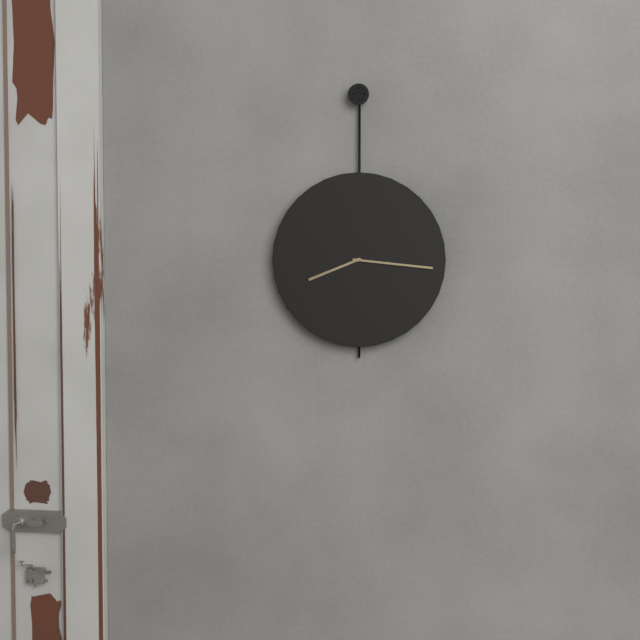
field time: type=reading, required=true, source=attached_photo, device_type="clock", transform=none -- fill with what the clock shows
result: 8:16
